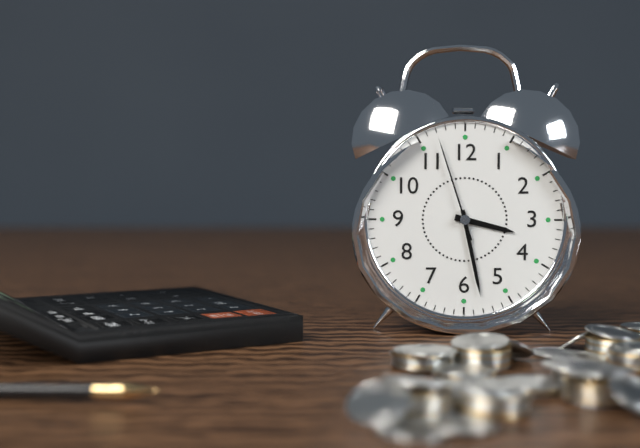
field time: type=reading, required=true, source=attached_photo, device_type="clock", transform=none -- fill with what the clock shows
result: 3:28:57
